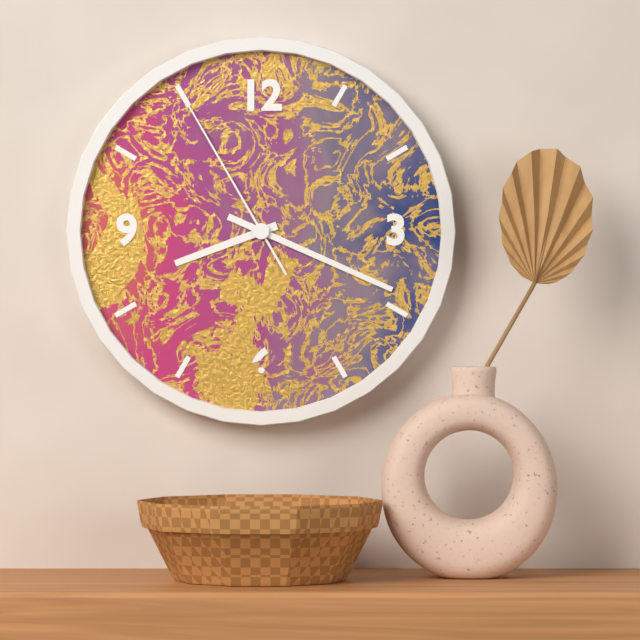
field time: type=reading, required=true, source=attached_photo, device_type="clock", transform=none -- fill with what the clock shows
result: 8:19:55
